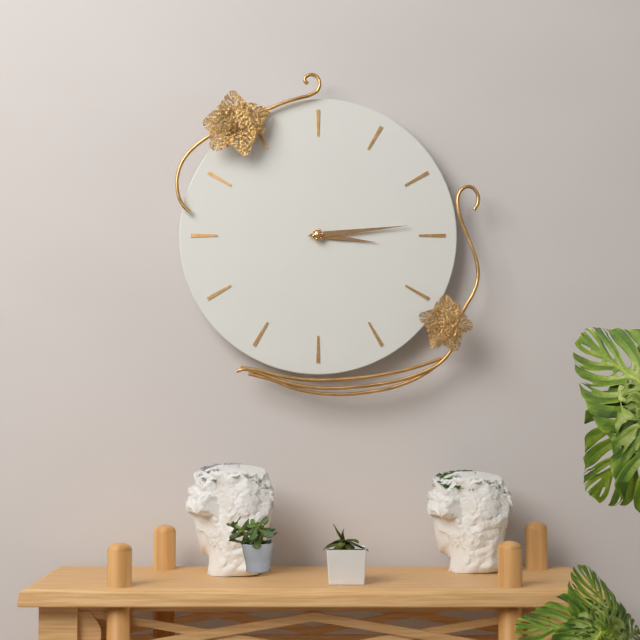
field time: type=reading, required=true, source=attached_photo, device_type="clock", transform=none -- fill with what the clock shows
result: 3:14
